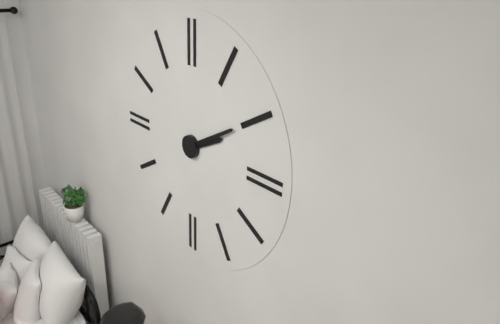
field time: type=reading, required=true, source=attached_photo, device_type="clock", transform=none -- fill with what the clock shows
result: 2:10
